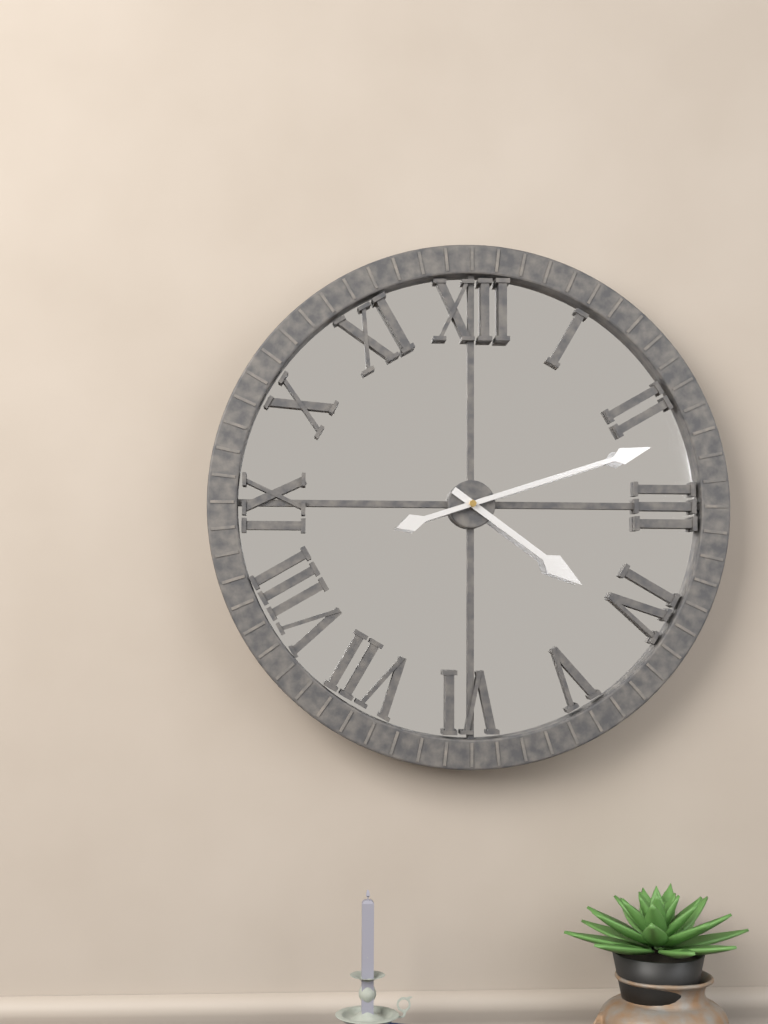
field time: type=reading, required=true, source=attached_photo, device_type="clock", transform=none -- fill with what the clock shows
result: 4:12
